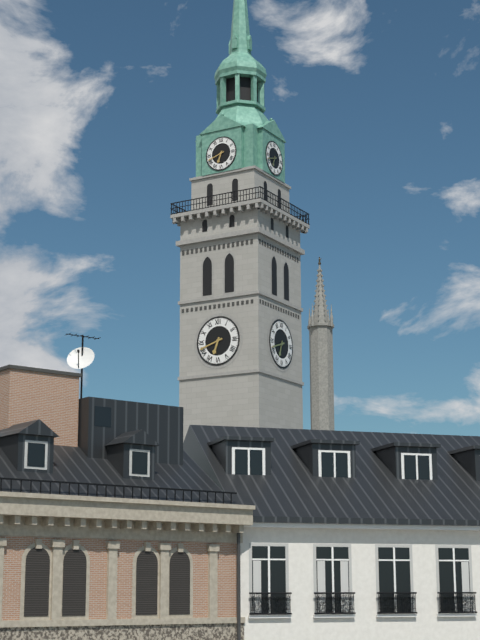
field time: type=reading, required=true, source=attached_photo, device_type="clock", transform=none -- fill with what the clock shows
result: 6:42
